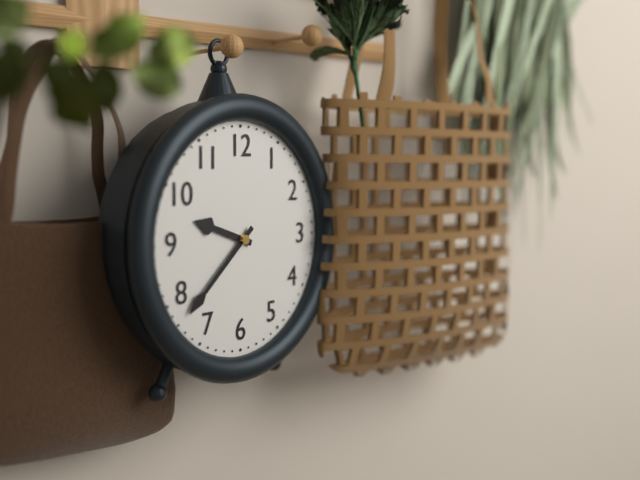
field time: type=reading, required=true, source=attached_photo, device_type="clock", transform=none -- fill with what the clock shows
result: 9:38
